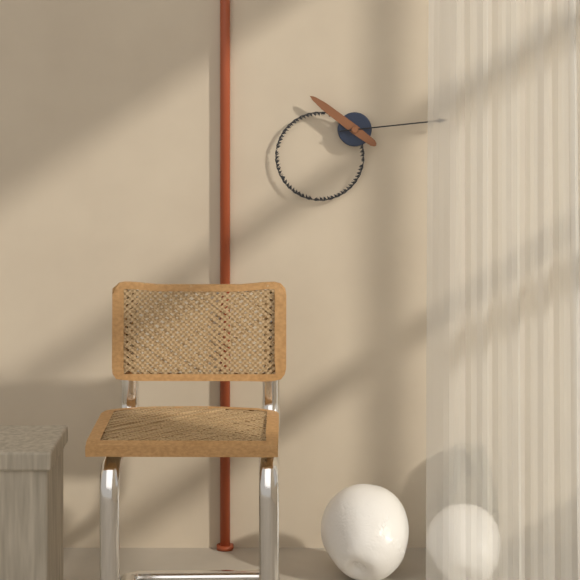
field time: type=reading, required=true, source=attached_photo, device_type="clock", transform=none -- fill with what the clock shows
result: 10:14
